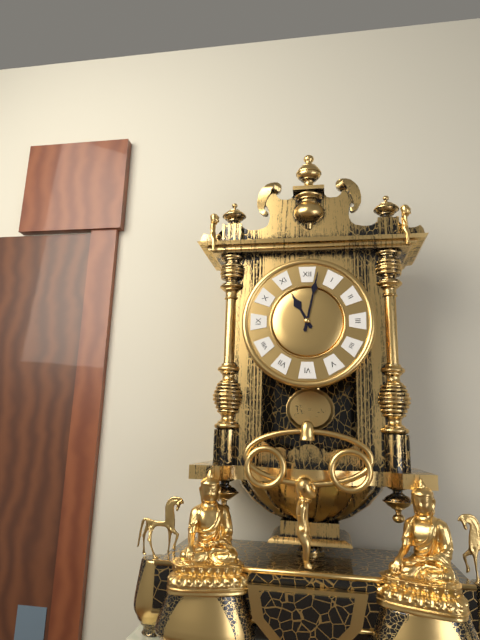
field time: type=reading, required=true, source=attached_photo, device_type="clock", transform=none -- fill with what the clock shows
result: 11:02
